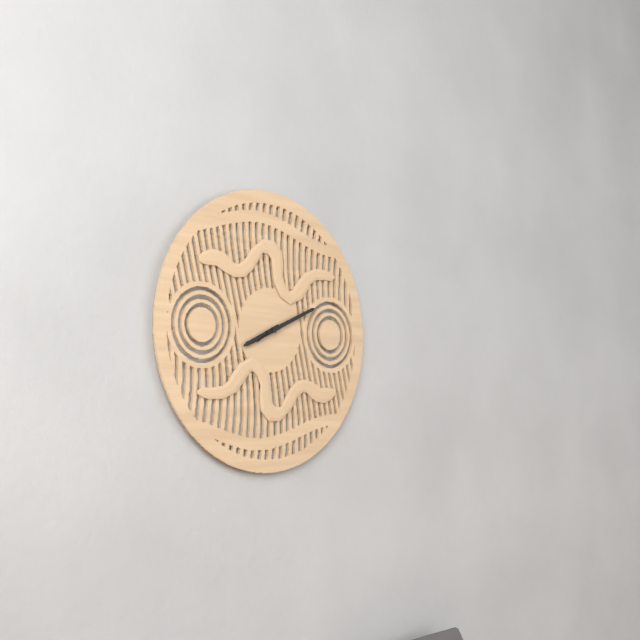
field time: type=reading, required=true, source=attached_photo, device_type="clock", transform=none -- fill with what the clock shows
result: 8:11
